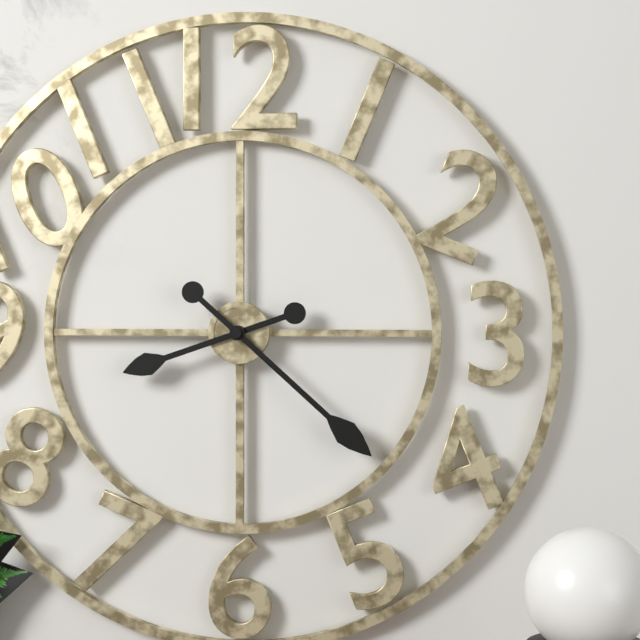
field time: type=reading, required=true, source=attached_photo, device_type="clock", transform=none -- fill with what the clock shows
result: 8:22
